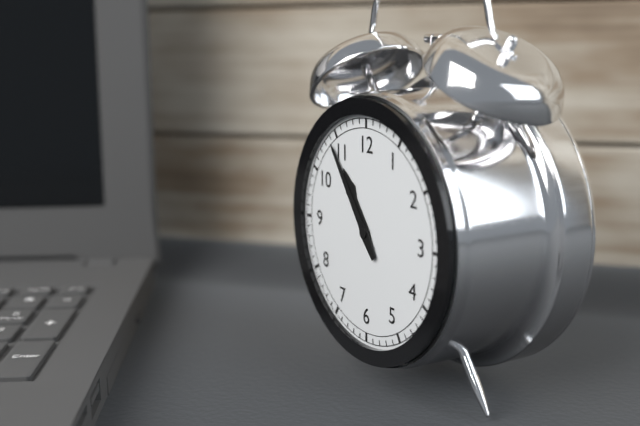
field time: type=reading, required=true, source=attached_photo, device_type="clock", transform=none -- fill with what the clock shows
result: 10:54
